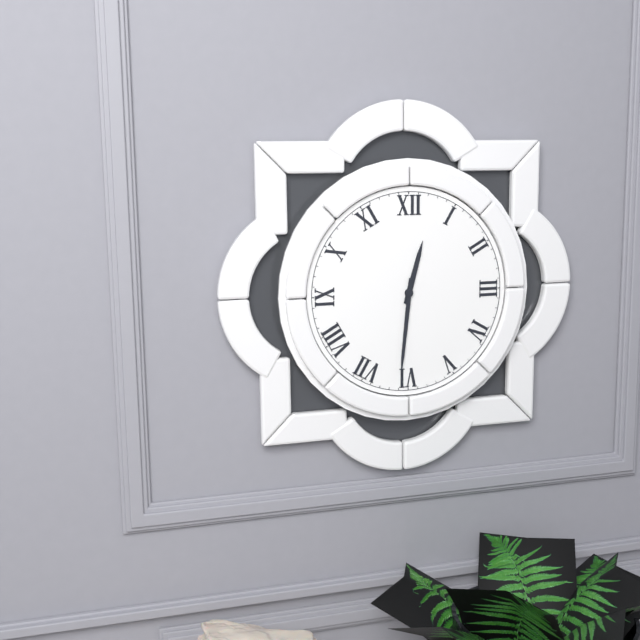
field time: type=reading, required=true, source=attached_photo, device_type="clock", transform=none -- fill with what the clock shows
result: 12:31
